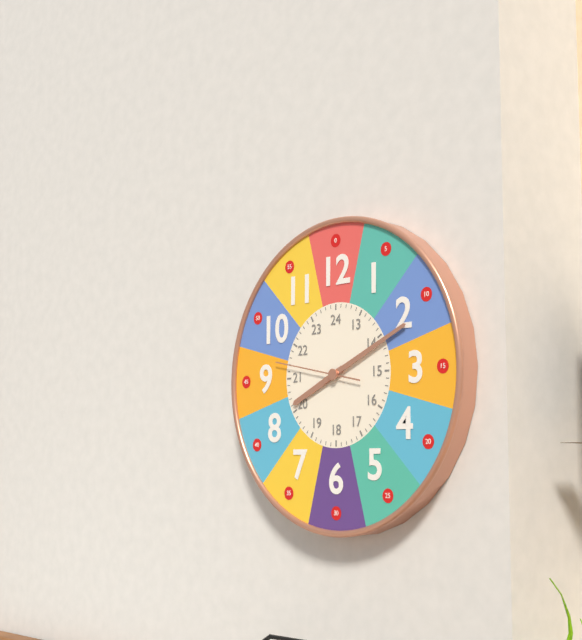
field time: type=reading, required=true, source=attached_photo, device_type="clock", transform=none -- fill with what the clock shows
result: 8:11:47
